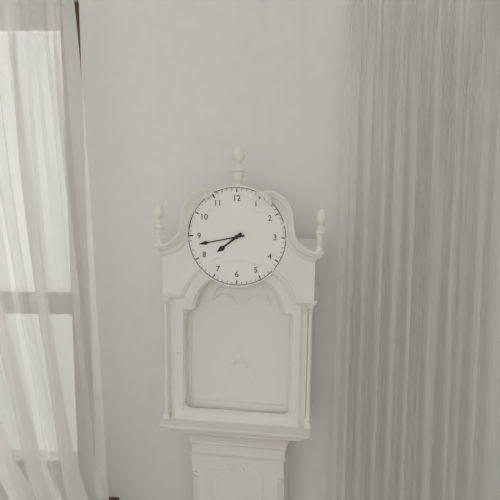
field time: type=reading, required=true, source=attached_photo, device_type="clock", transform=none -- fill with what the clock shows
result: 7:43
